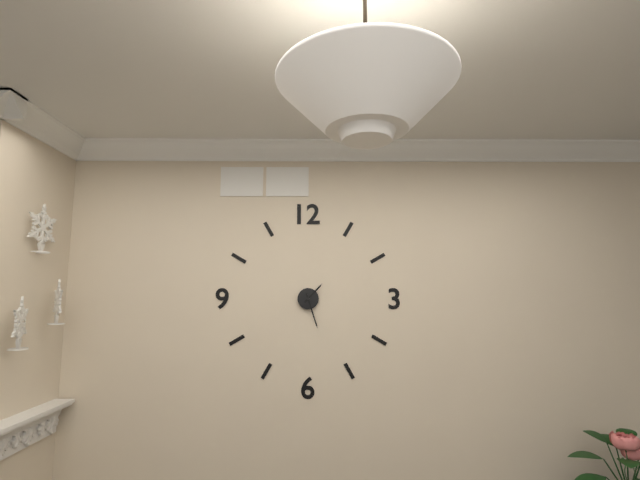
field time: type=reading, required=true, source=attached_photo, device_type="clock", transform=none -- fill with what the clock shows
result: 1:27
